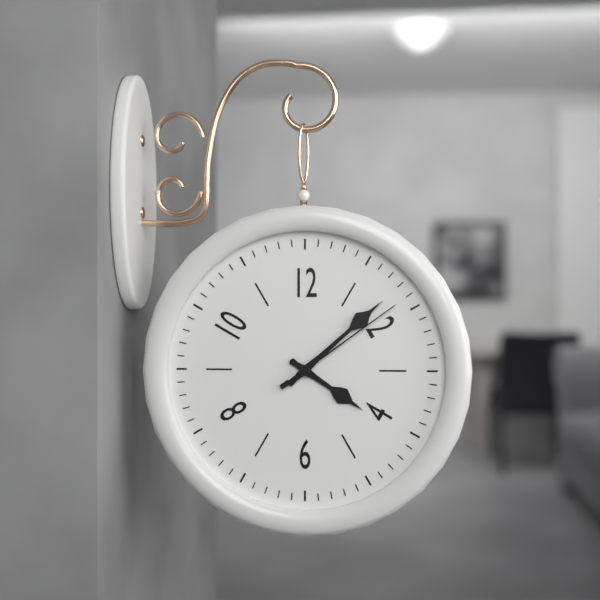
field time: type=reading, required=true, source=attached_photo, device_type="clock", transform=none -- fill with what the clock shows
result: 4:08:09
